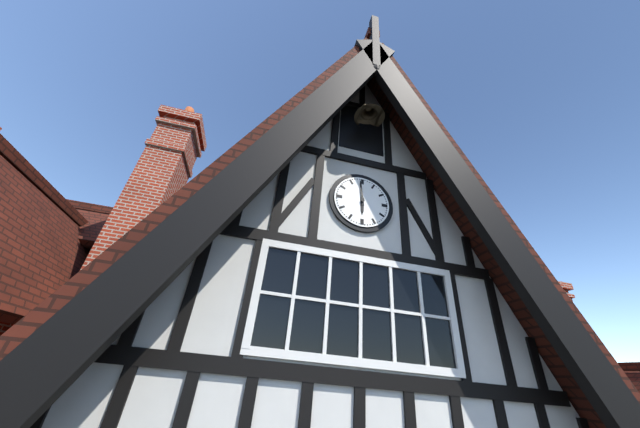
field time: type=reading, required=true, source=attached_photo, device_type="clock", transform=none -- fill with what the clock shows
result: 5:59
